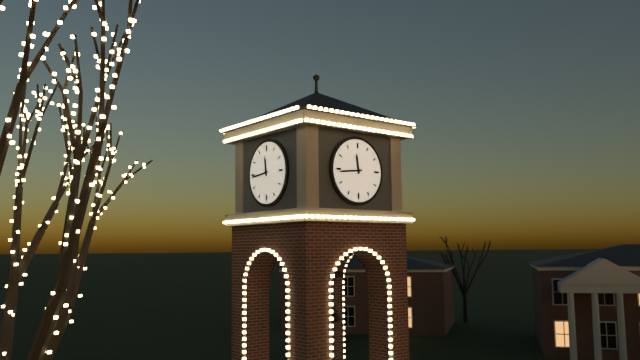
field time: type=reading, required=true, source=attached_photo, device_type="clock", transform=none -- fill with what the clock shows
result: 11:44
